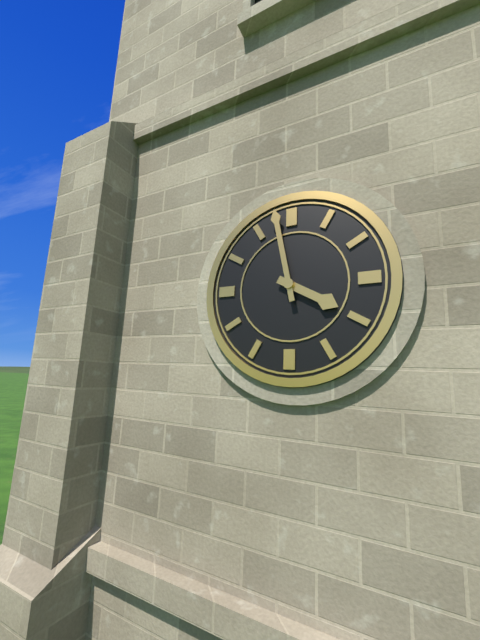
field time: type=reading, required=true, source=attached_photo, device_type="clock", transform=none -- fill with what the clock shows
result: 3:58
